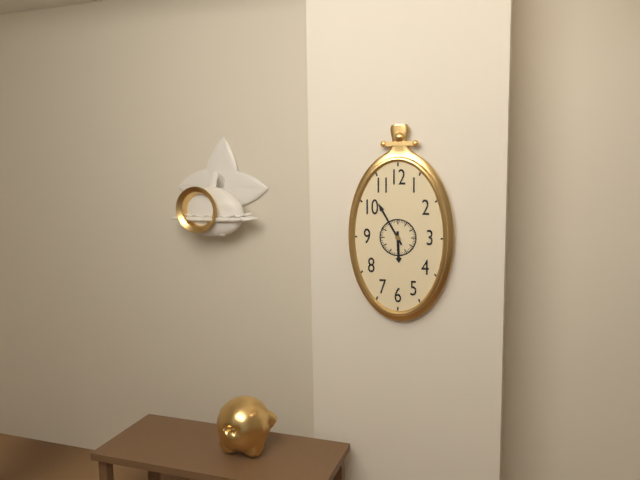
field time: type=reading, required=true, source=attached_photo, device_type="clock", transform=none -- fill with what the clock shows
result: 5:55
